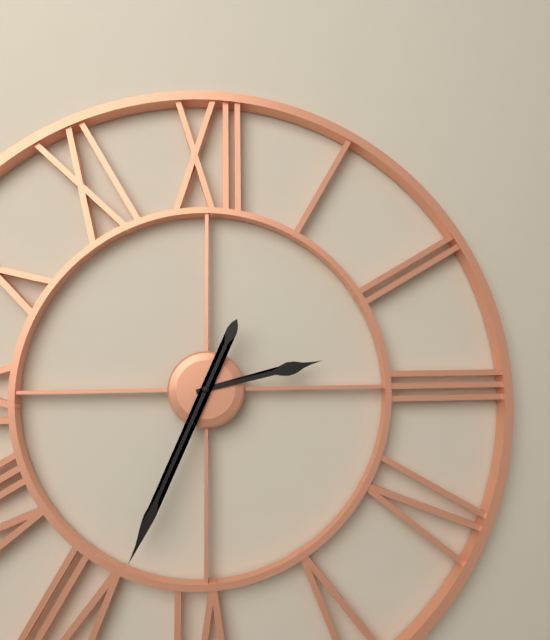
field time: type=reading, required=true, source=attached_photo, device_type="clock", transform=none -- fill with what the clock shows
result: 2:34
